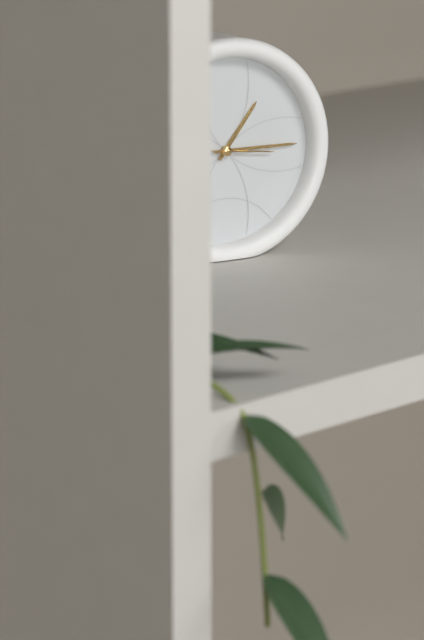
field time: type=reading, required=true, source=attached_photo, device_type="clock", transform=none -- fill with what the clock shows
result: 1:15:16
